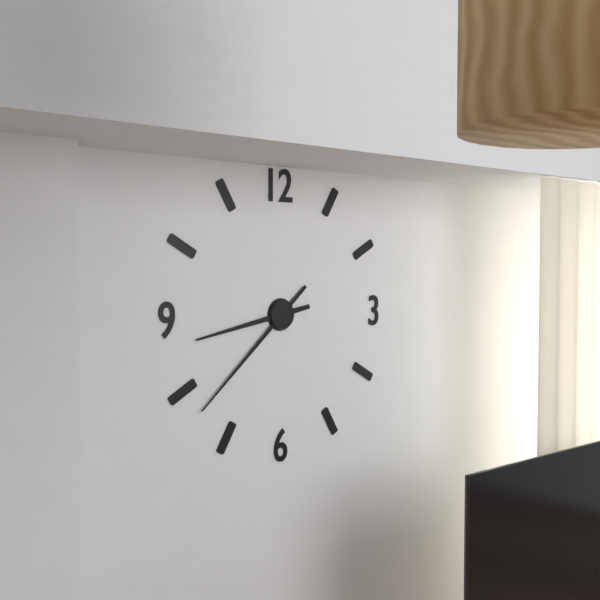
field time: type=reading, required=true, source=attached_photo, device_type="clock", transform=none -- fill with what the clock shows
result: 8:38
